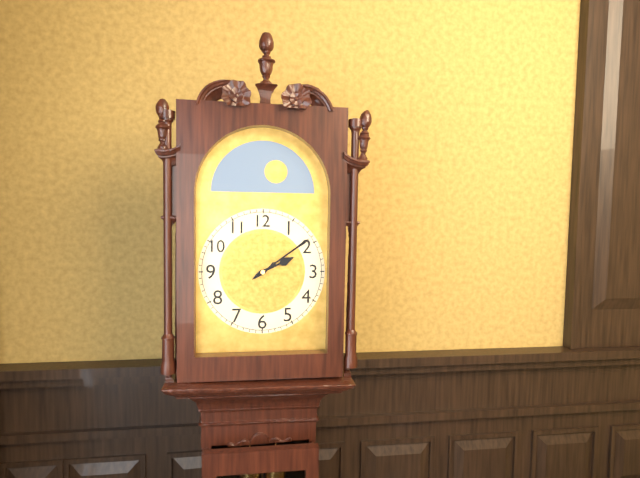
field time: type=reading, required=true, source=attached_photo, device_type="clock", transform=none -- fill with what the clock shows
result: 2:09
